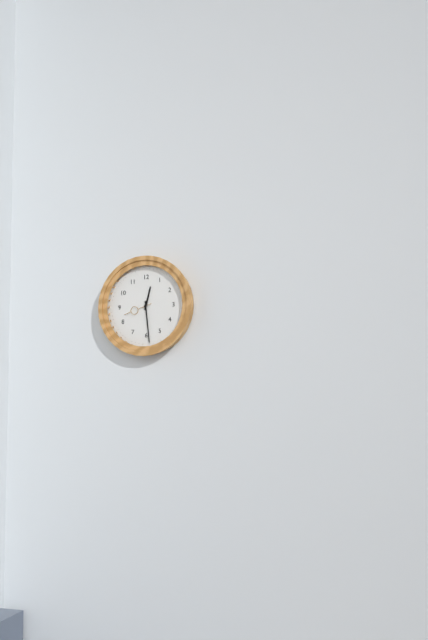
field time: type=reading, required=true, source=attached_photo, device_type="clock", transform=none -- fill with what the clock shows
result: 12:29
